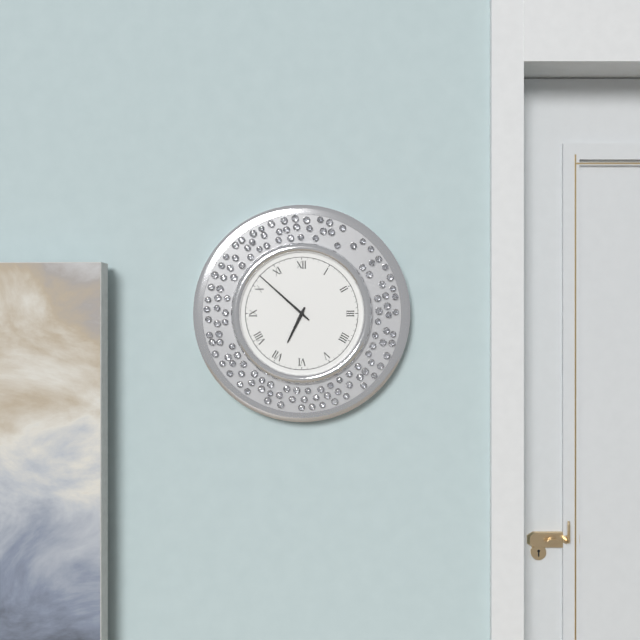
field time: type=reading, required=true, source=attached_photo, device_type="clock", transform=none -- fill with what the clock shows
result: 6:52
